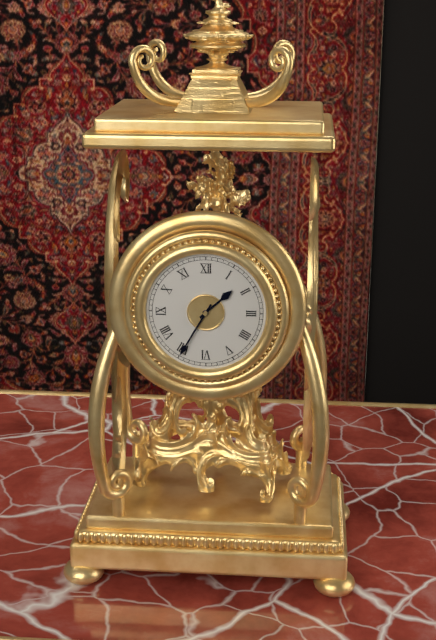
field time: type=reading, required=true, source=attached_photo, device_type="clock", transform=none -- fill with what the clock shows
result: 1:35
